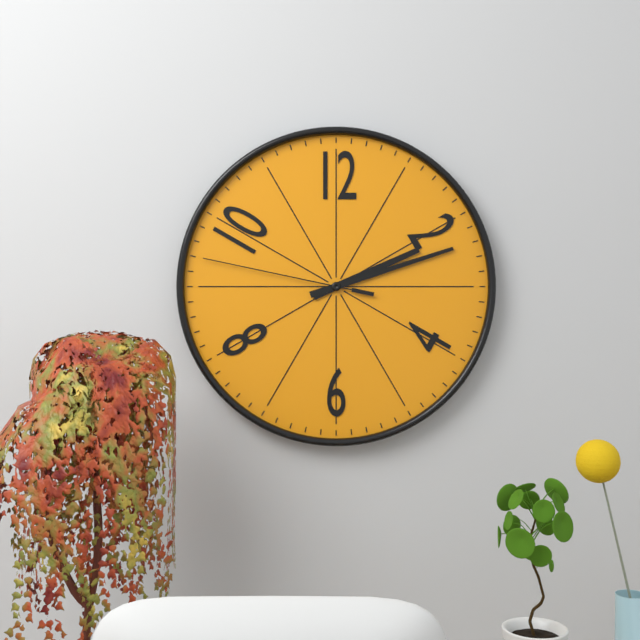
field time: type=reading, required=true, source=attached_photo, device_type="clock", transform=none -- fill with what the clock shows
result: 2:12:47
